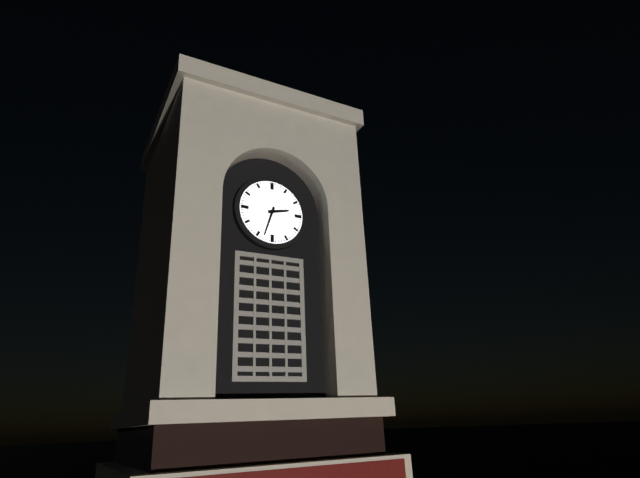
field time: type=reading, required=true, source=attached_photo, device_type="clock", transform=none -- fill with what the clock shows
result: 2:33
